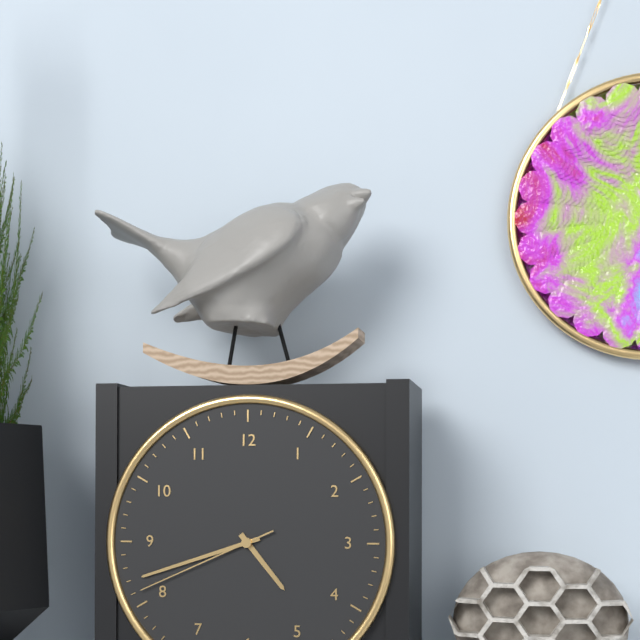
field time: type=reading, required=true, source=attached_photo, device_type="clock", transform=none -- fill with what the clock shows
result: 4:42:41
